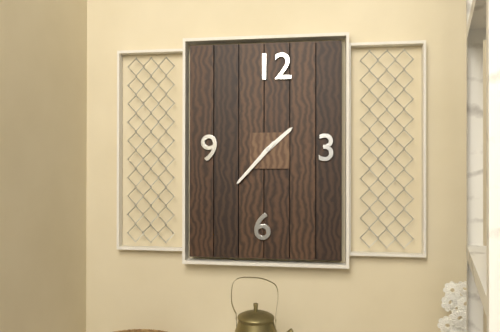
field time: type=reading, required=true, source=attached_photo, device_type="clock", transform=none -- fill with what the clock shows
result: 1:37
